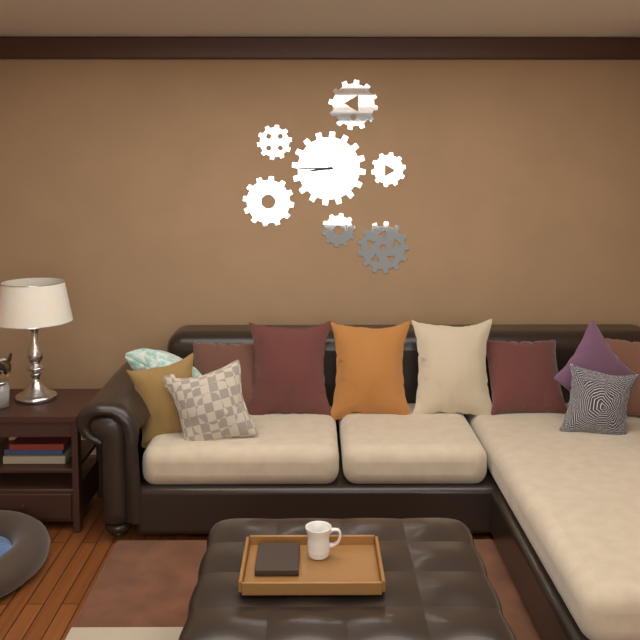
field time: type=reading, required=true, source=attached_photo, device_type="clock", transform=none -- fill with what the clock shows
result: 8:45
